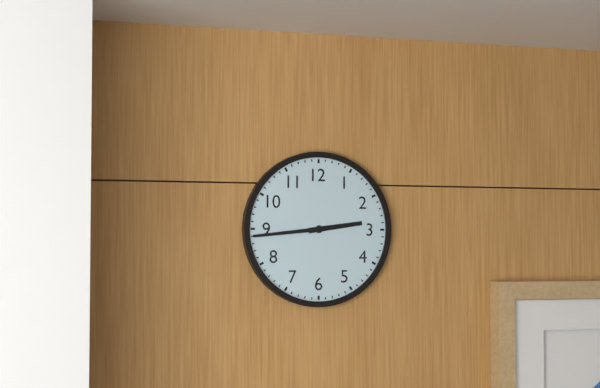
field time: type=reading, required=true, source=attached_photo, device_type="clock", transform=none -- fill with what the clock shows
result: 2:44
